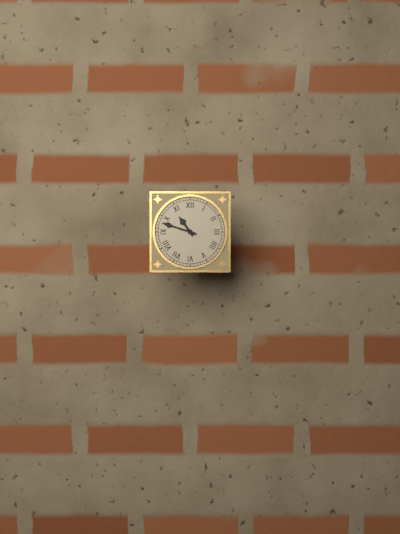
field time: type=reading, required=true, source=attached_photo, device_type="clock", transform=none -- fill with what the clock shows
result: 10:48
